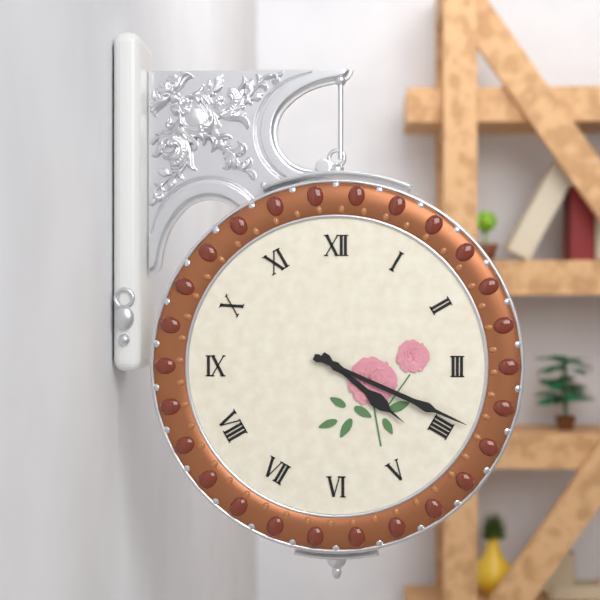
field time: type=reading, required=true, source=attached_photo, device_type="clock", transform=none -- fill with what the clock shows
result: 4:19
